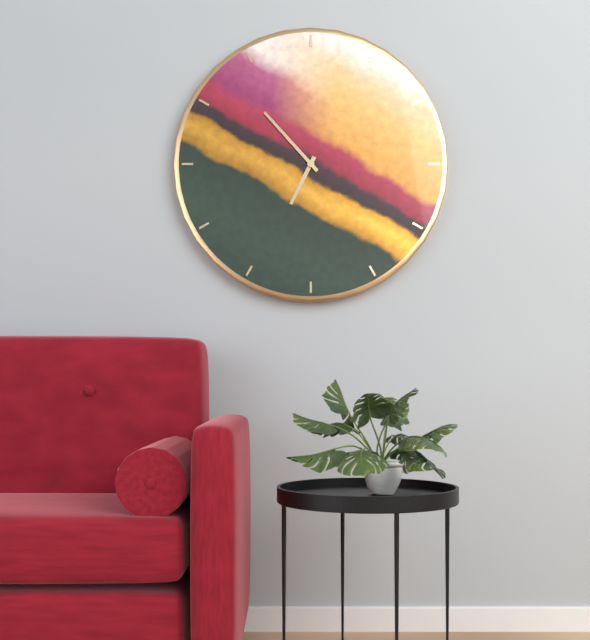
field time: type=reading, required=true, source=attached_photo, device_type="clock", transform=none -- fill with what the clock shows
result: 6:53
